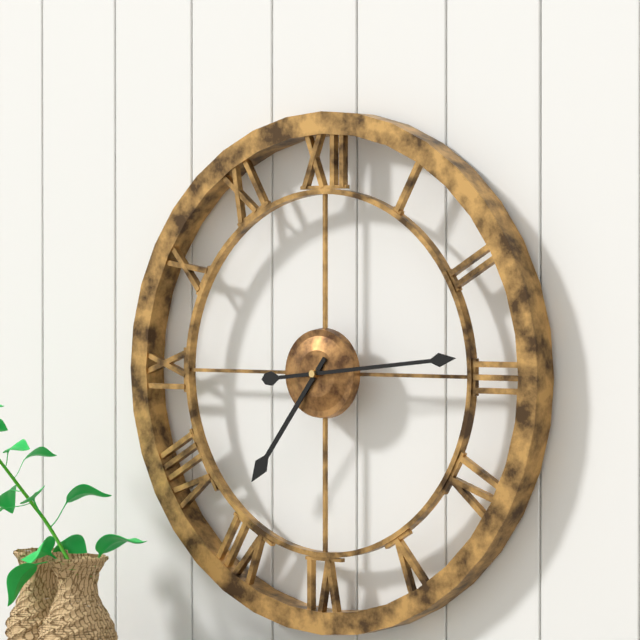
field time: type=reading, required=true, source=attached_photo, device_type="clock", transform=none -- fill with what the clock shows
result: 7:14
